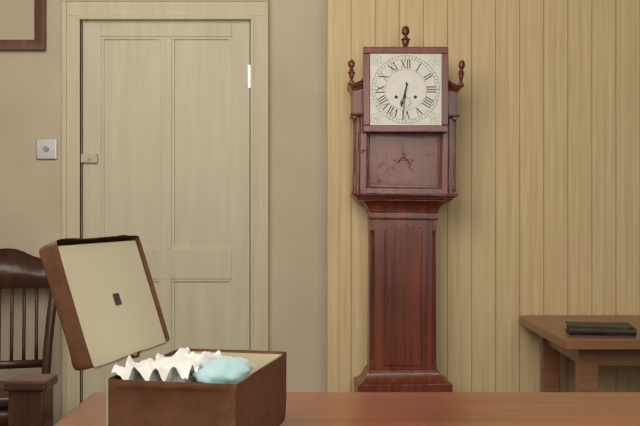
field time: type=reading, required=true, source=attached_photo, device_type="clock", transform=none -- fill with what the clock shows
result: 6:31
